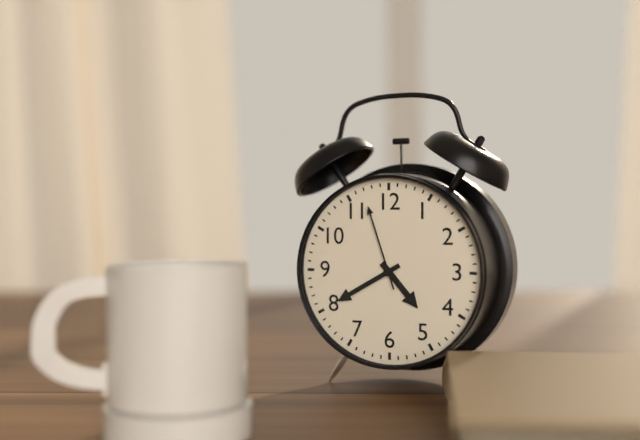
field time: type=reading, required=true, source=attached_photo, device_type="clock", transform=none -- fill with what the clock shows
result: 4:40:57
